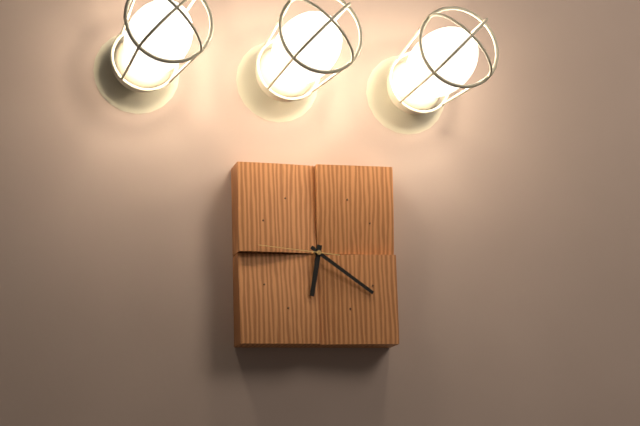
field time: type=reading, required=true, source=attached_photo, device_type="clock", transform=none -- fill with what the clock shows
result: 6:21:46
